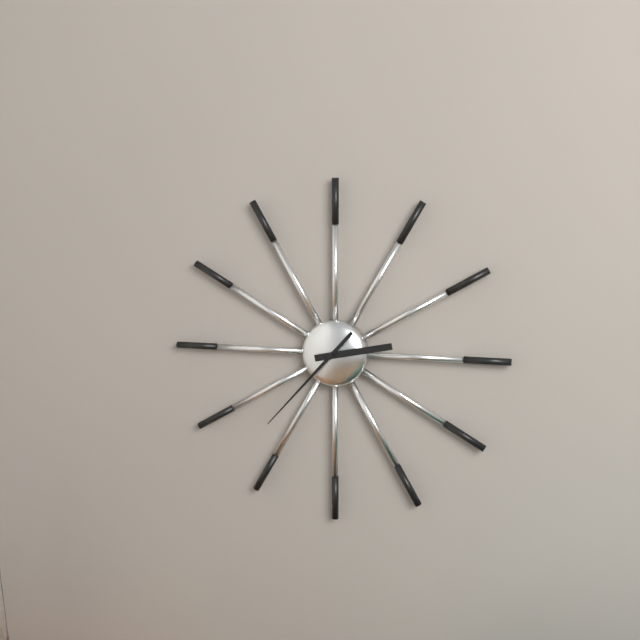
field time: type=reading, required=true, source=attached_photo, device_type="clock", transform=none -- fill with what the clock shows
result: 2:37
